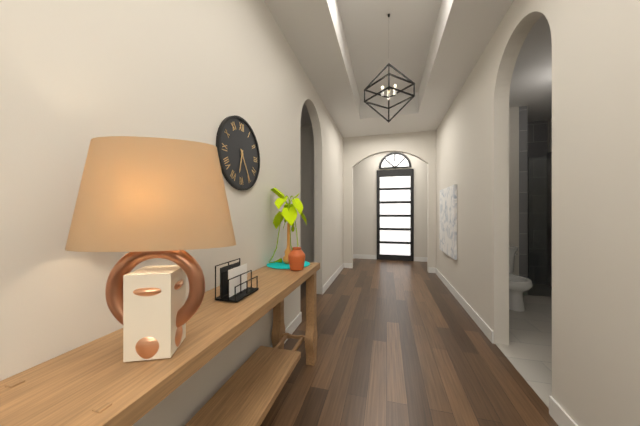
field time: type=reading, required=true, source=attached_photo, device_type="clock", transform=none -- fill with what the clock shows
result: 6:25
